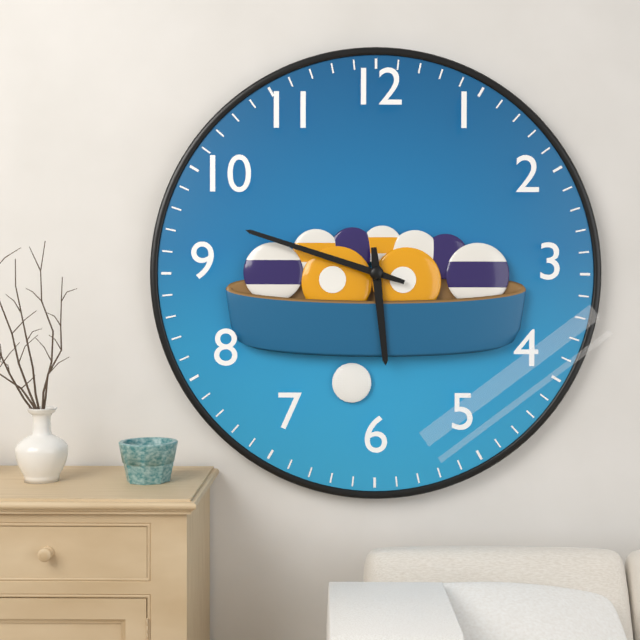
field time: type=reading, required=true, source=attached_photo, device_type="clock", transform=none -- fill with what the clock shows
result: 5:48
